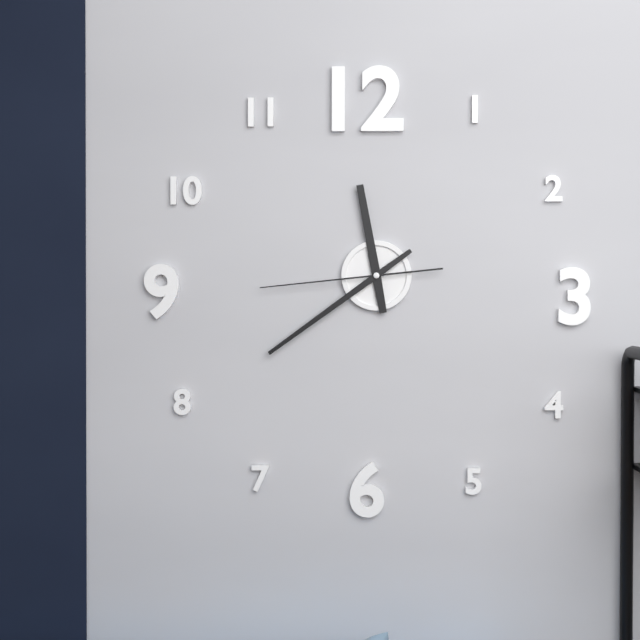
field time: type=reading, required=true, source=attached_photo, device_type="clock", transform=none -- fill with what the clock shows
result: 11:39:44
